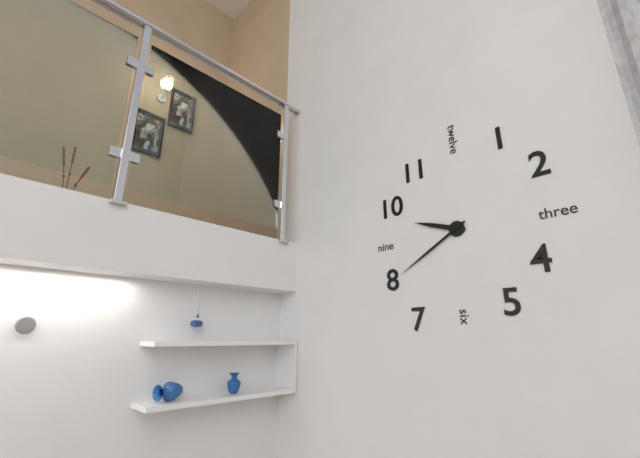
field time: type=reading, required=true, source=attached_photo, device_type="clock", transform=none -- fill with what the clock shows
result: 9:40
